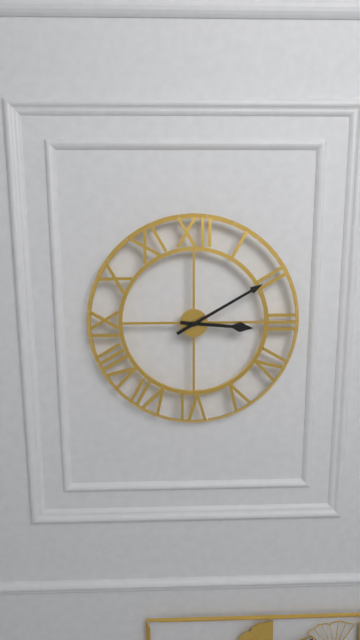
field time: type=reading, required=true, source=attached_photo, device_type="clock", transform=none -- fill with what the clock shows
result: 3:10
